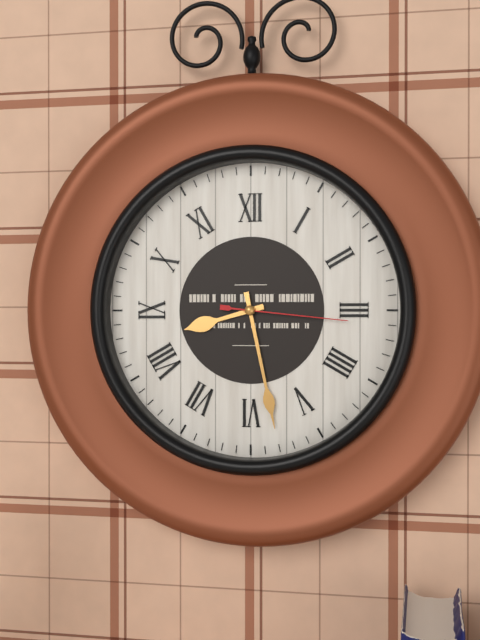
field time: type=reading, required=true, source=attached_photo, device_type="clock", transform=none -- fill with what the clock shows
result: 8:28:16
